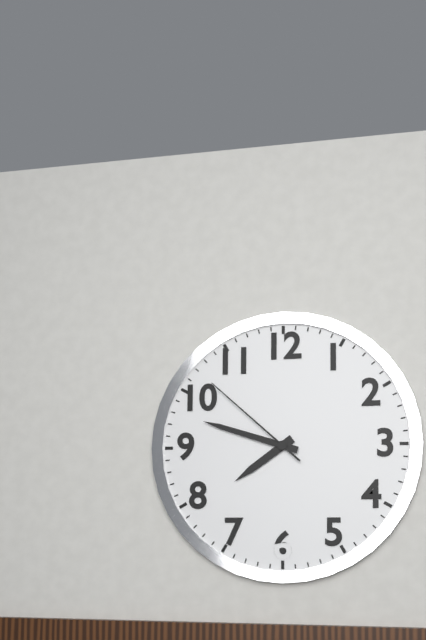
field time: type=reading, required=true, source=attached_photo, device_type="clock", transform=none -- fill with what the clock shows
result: 7:48:52
